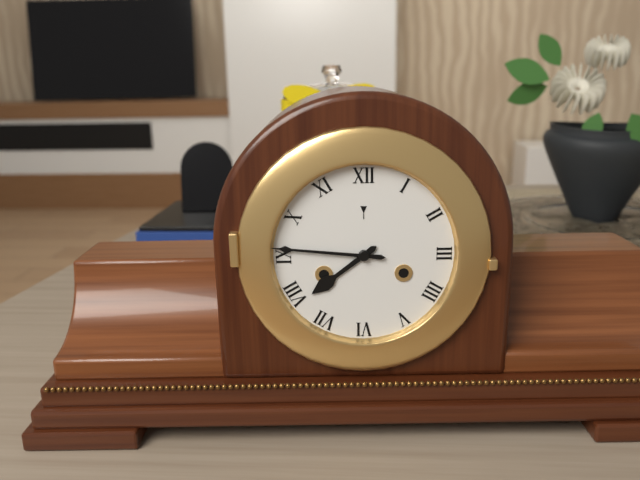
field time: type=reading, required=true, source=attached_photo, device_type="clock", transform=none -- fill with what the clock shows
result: 7:46
